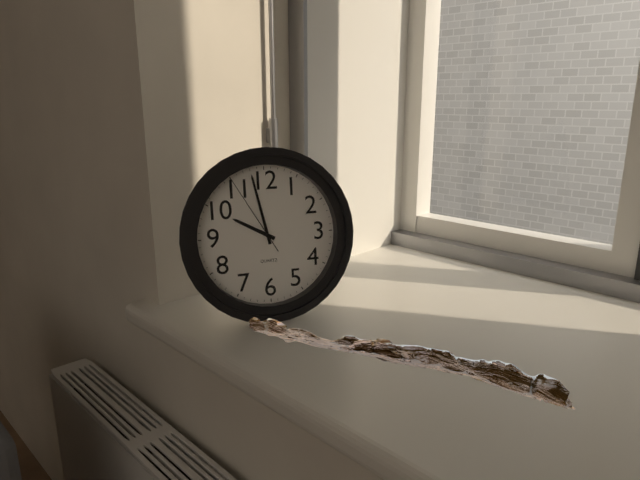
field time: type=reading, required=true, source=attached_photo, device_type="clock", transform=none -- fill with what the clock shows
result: 9:58:55
